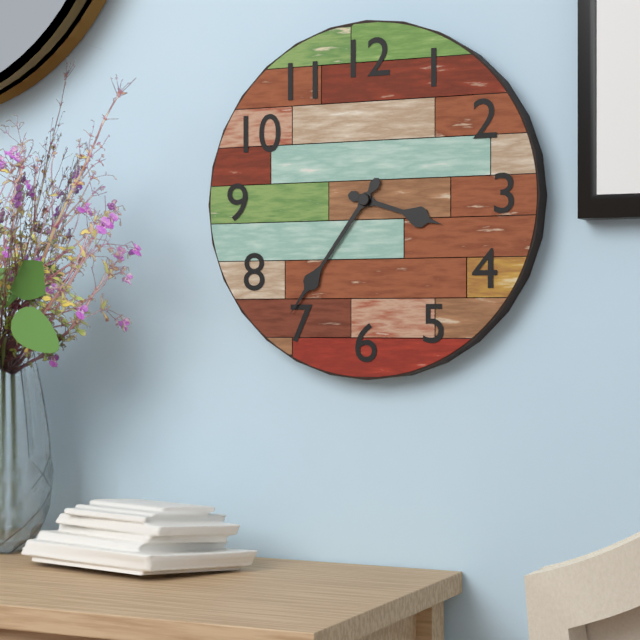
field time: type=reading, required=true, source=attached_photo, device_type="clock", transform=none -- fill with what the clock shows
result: 3:36
